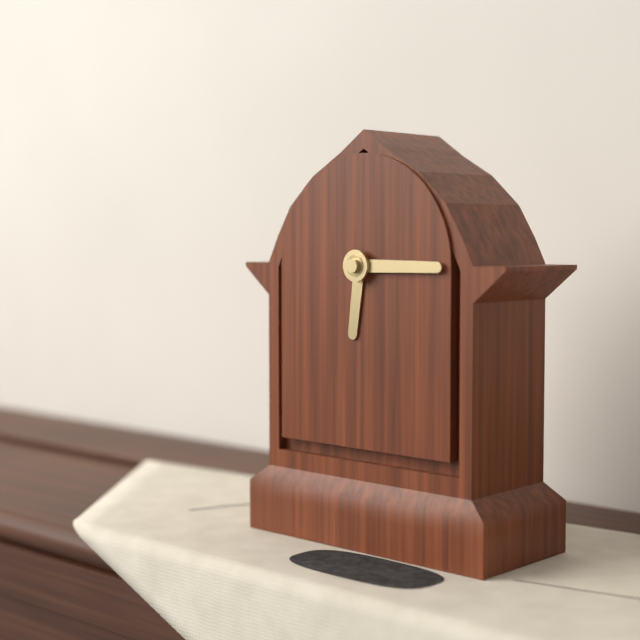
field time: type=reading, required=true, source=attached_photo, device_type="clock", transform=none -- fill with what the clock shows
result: 6:15
